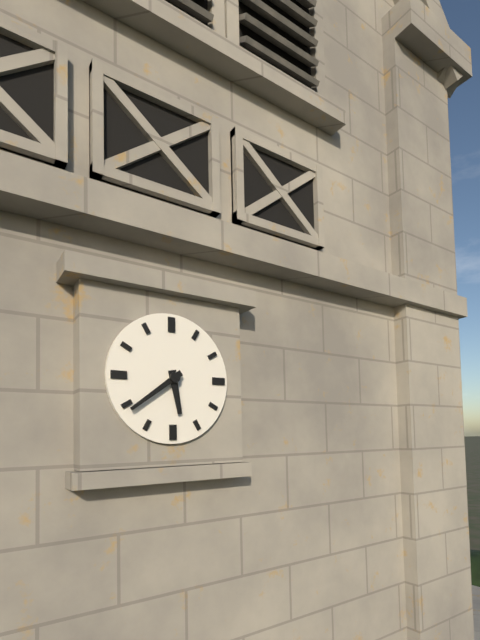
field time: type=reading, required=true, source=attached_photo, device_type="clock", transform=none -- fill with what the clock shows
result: 5:39
